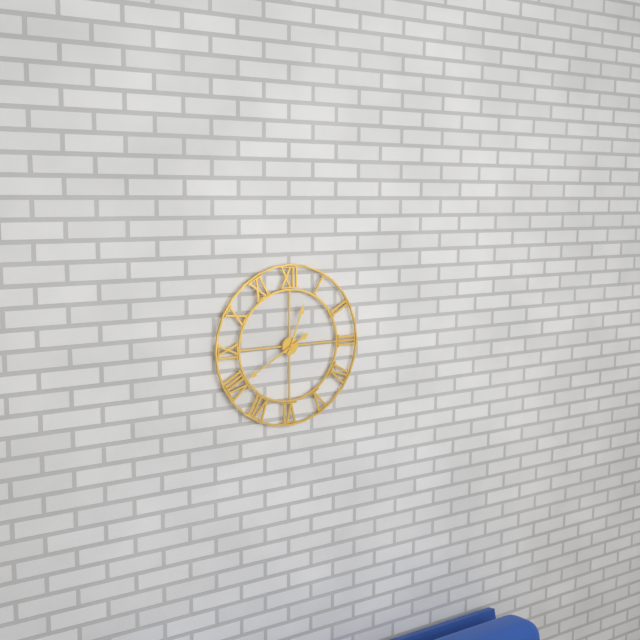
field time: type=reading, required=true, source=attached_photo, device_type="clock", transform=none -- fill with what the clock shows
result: 12:40
